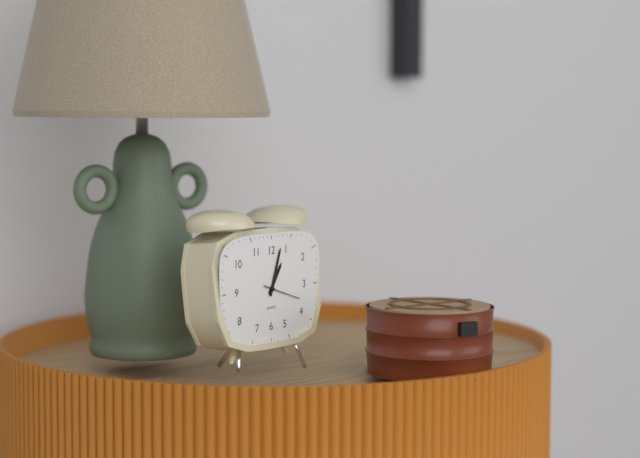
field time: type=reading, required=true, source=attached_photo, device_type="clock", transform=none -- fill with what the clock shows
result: 1:03
